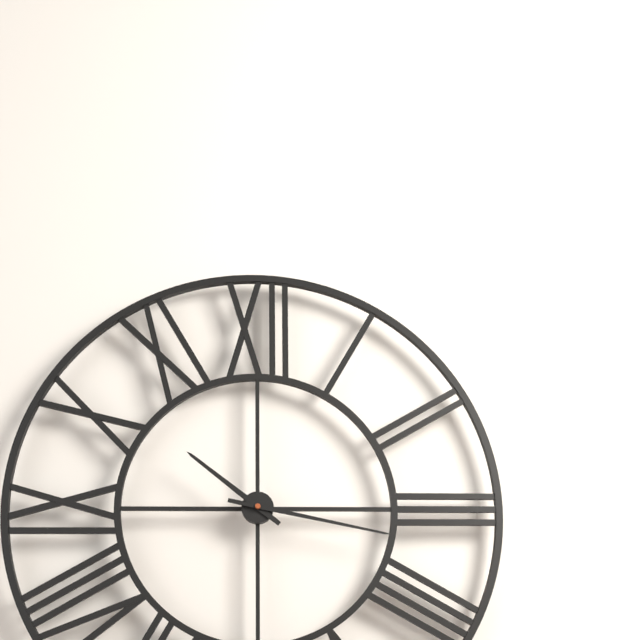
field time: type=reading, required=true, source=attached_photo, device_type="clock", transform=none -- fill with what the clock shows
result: 10:17
